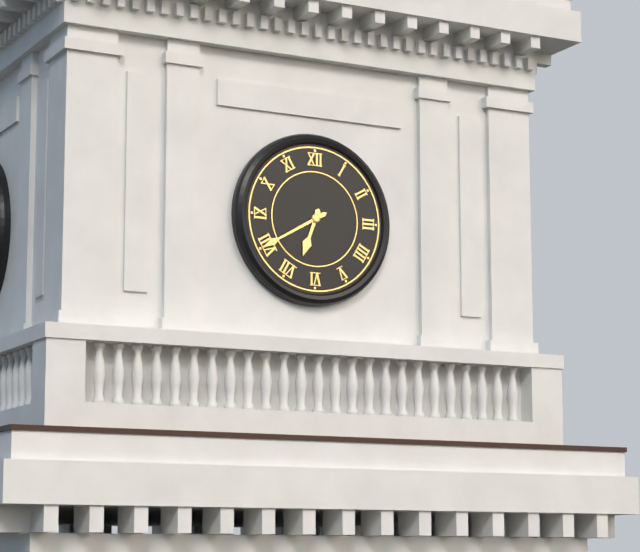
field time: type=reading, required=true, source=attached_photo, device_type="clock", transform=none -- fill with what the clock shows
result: 6:40
